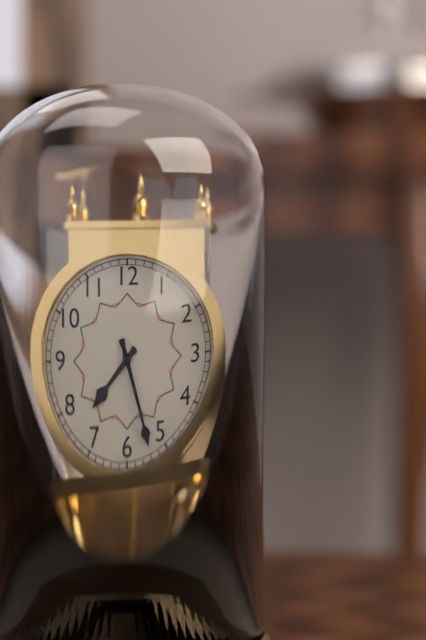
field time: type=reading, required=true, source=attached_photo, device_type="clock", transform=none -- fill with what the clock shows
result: 7:27
